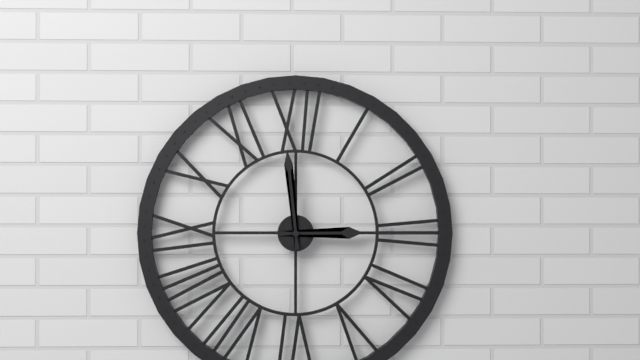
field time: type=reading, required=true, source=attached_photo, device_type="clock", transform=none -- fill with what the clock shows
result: 2:59
